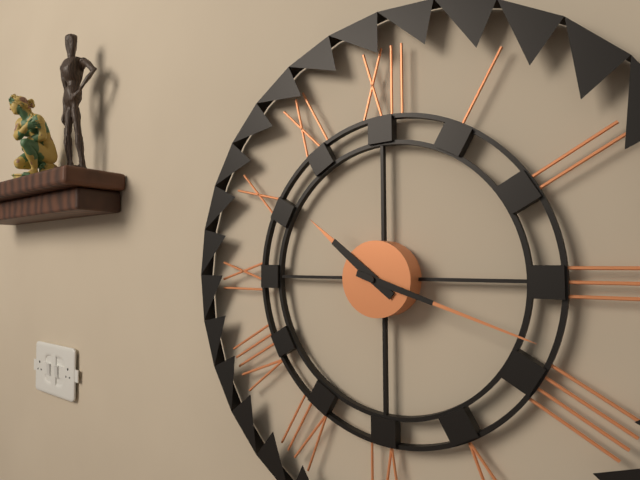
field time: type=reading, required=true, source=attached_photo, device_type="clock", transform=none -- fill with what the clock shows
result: 10:18
